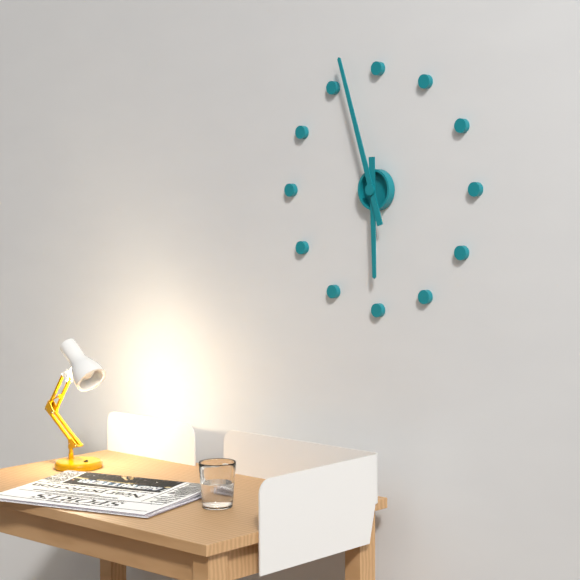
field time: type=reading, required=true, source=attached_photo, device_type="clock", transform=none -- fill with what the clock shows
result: 5:57
